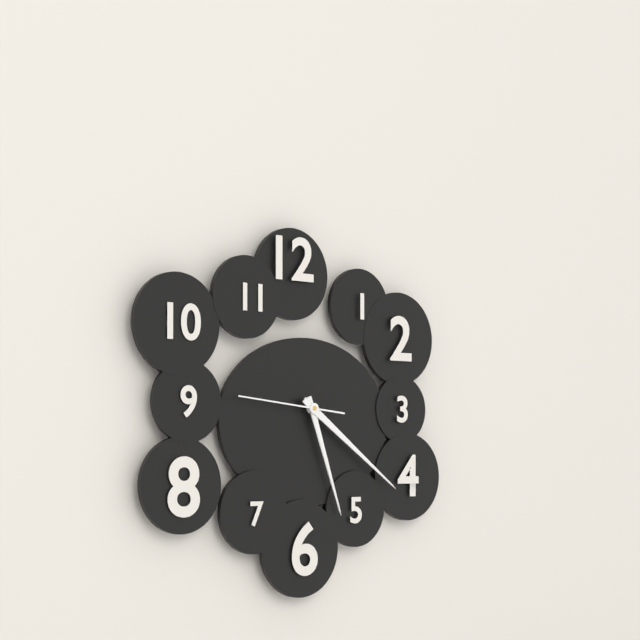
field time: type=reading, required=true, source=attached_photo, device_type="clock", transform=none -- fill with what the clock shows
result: 5:21:46
